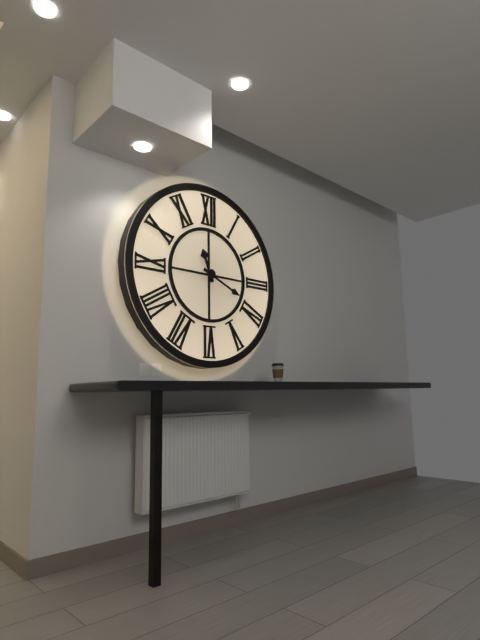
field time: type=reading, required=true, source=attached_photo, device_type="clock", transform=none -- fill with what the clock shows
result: 11:19
